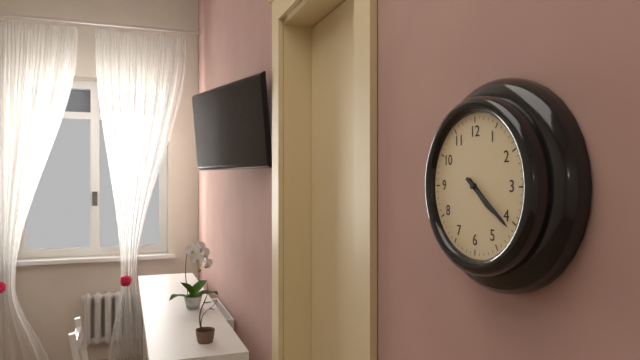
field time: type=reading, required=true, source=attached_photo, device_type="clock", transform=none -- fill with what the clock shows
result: 4:21
